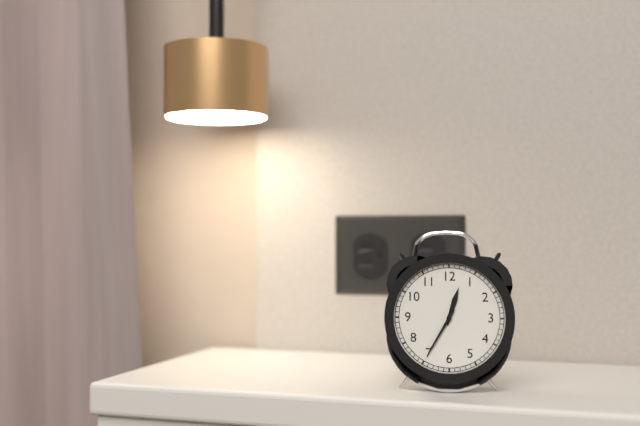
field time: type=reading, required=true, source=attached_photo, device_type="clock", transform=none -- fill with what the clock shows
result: 12:35
